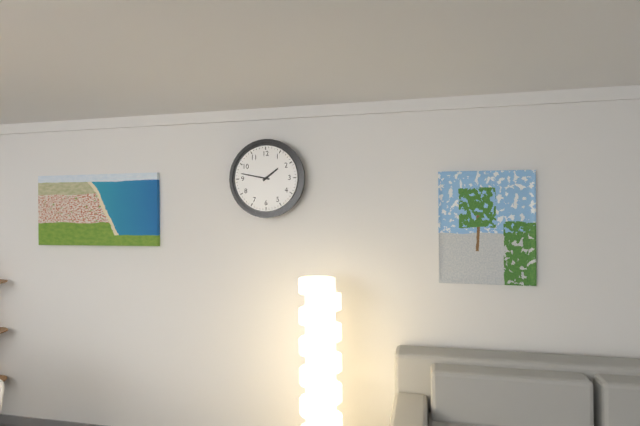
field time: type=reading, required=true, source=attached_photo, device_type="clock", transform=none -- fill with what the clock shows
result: 1:47
